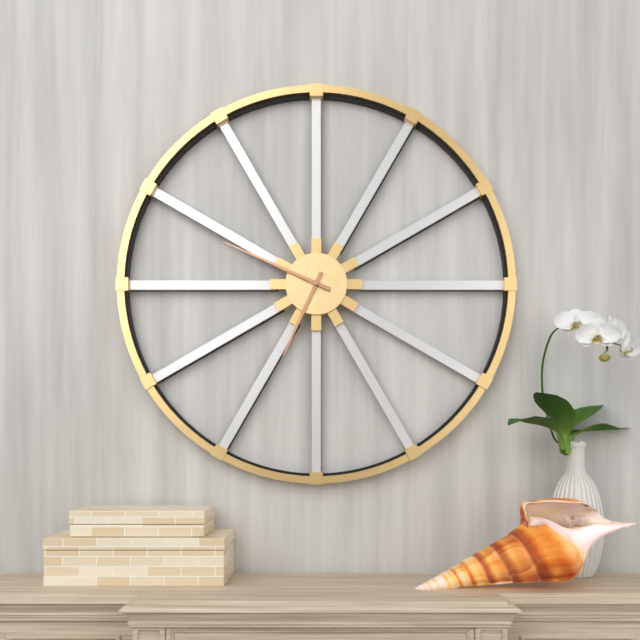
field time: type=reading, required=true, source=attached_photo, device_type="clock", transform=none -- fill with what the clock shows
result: 6:49
